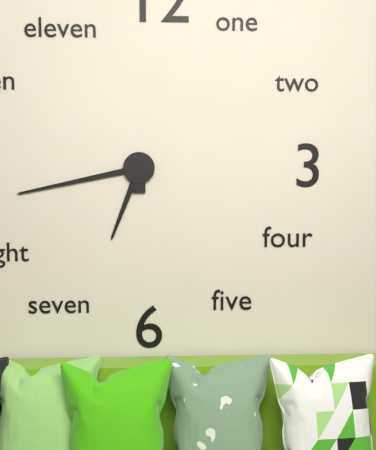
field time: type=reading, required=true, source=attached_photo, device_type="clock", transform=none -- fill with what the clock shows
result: 6:43
